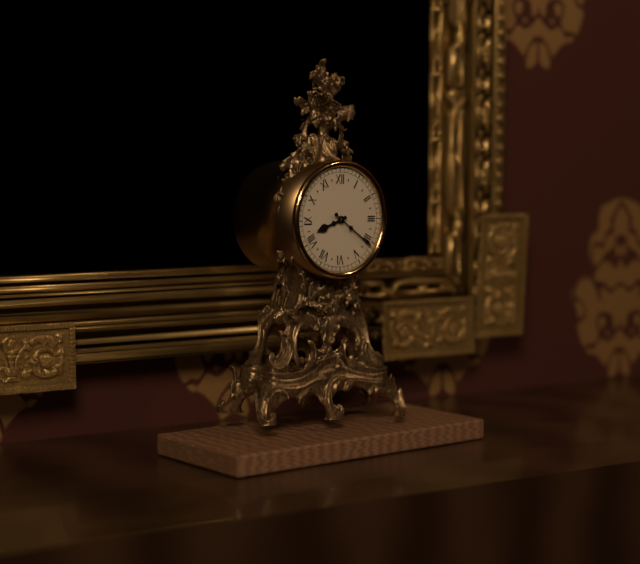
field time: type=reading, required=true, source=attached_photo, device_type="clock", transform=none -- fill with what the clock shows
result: 8:21
